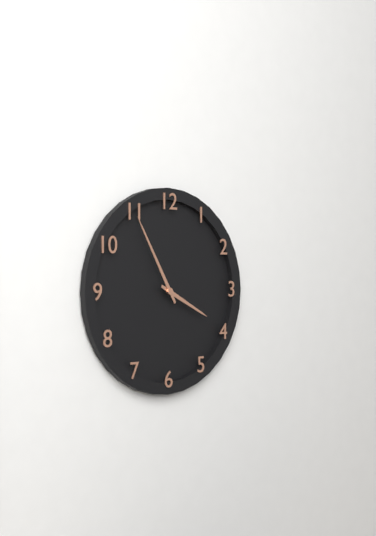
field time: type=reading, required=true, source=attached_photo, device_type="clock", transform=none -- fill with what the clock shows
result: 3:55
